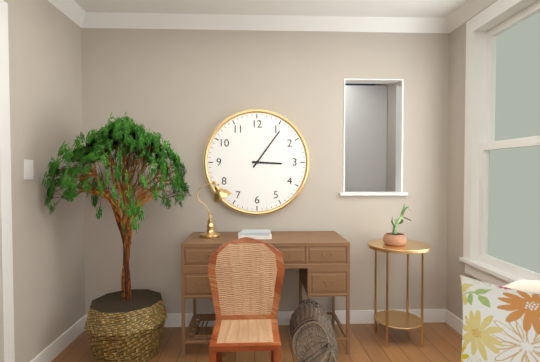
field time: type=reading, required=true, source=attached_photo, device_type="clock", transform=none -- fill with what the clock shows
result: 3:06
